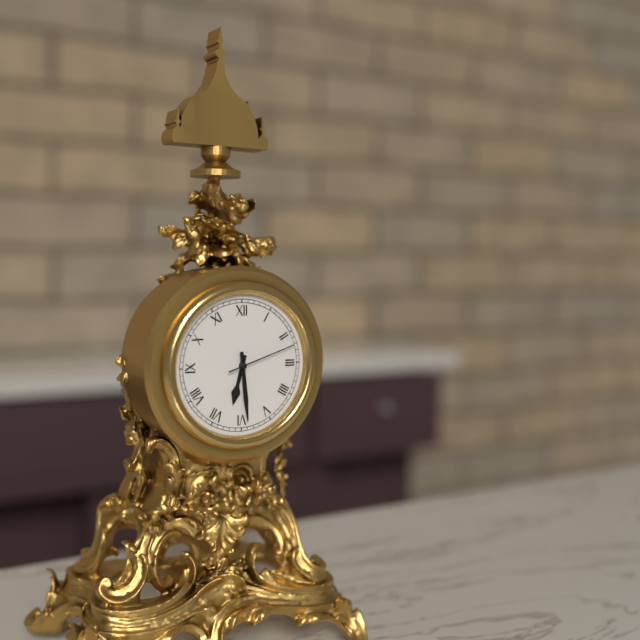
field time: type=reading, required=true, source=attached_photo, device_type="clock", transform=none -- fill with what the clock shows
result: 6:29:12
